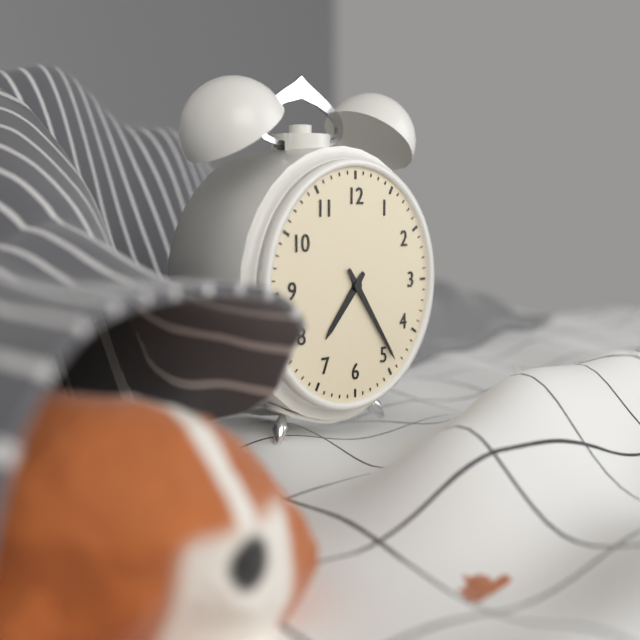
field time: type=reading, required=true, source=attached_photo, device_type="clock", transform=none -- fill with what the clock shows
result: 7:24
